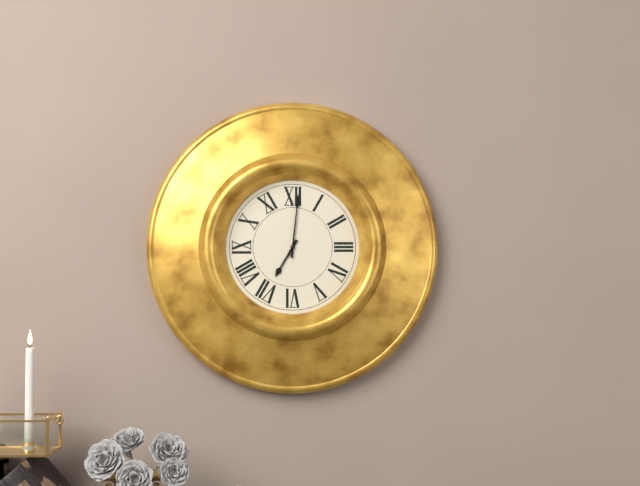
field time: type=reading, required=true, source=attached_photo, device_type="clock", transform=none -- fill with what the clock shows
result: 7:01
